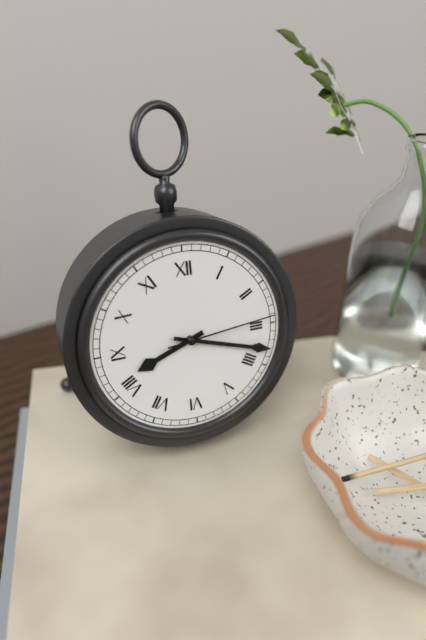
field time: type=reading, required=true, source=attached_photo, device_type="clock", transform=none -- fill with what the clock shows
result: 8:18:14
